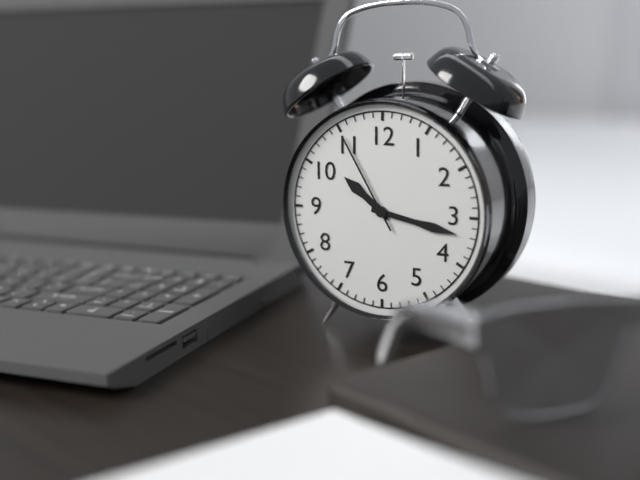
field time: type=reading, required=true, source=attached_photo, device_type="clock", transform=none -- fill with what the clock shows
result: 10:17:55
